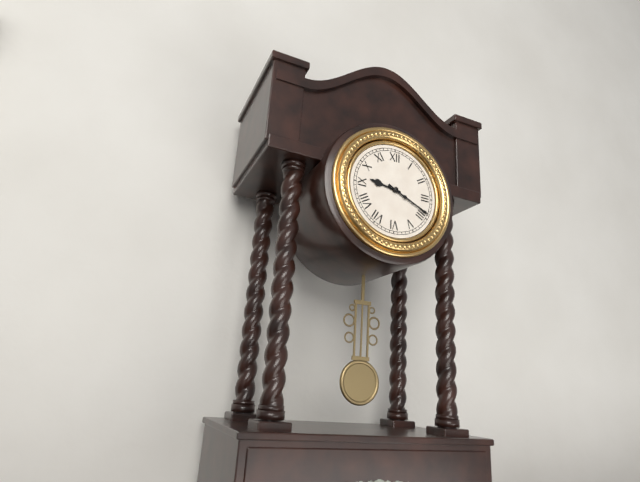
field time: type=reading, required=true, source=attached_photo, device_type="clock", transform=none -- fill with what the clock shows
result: 9:19
